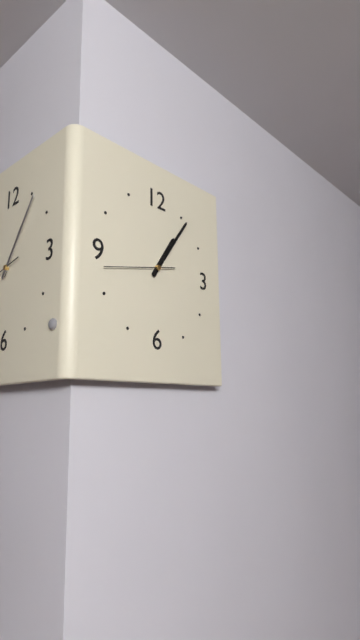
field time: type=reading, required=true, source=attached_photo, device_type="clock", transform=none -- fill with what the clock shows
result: 1:06:43
